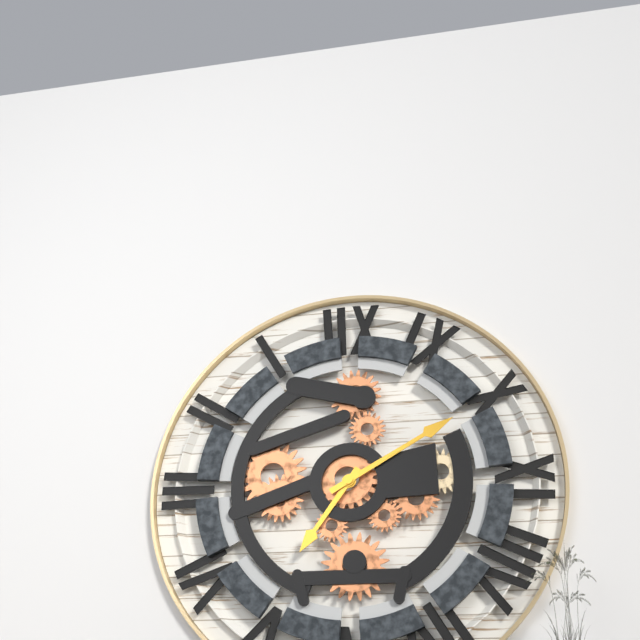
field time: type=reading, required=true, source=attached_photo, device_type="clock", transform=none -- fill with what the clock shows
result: 7:10
